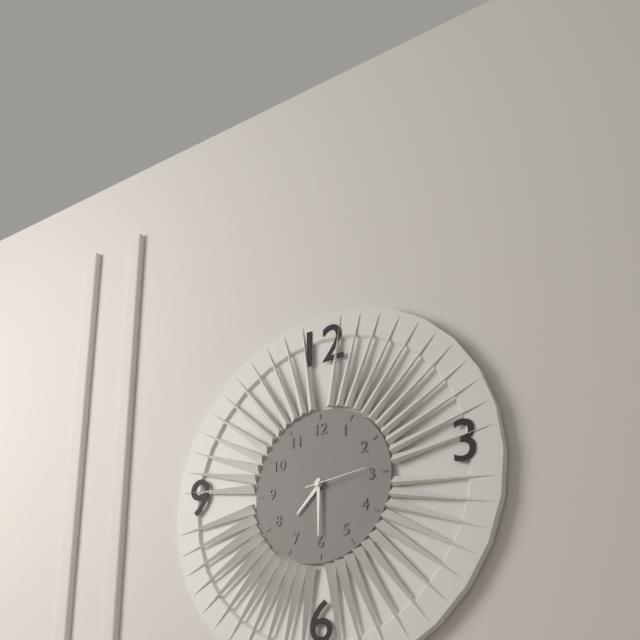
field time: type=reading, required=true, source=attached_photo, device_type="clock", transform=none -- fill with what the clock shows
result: 7:30:14
